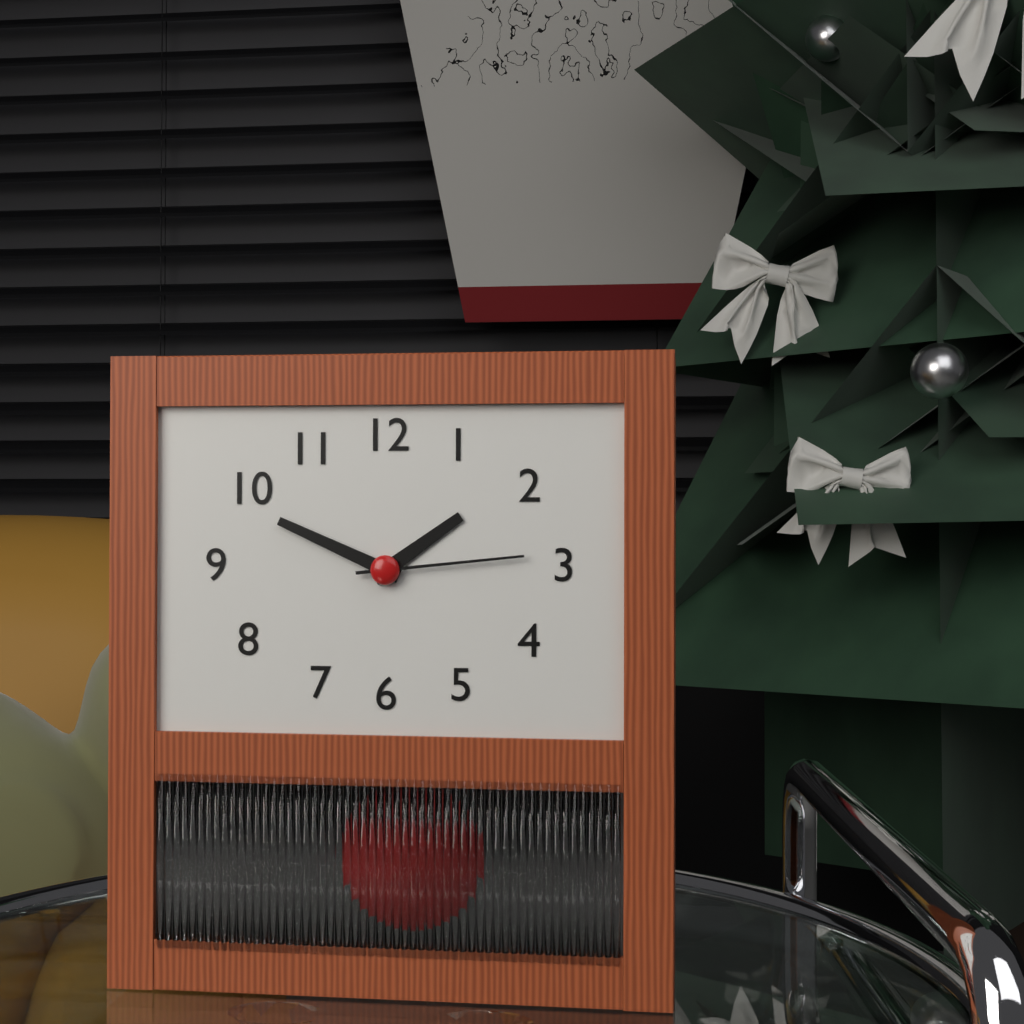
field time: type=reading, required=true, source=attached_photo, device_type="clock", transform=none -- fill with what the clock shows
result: 1:49:14
